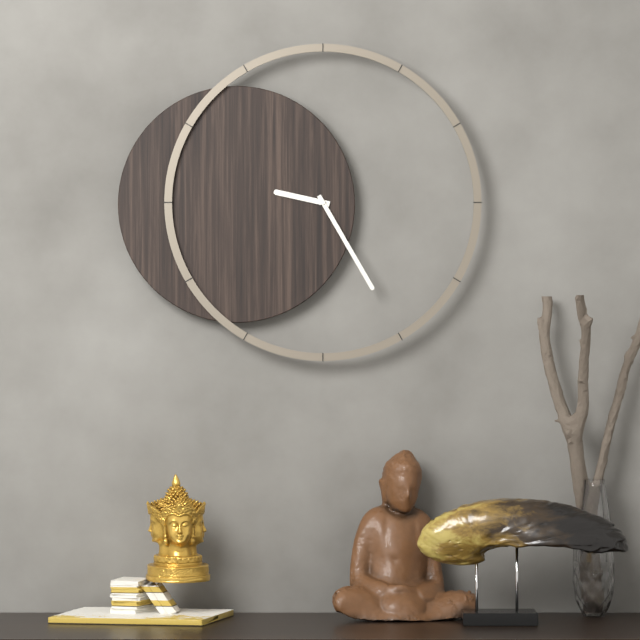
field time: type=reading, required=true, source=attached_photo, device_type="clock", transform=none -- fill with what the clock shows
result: 9:25
